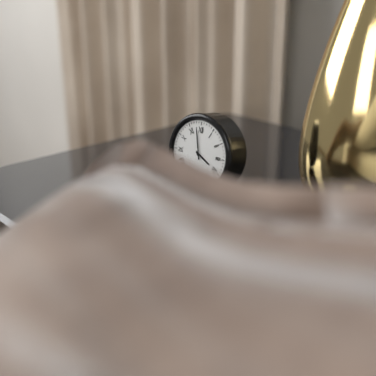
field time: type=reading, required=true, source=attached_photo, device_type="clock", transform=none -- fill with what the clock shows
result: 3:58
